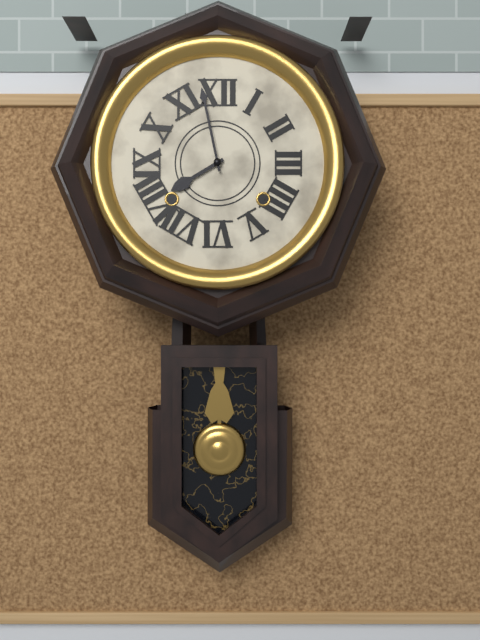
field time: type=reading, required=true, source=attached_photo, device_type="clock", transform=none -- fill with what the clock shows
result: 7:58
